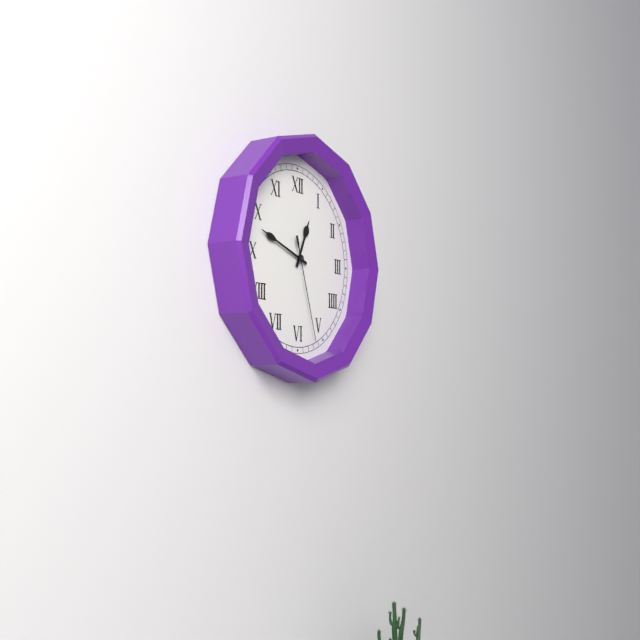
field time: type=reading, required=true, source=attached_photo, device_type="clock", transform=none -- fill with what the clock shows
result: 12:48:27
